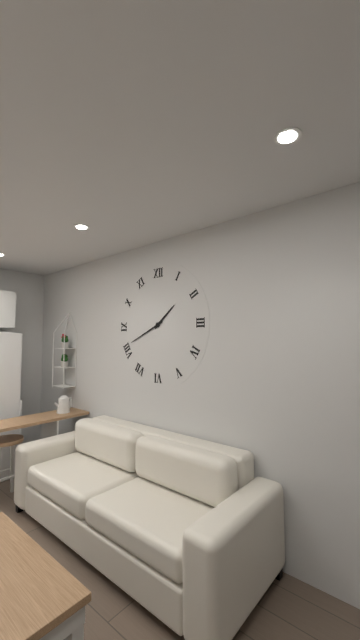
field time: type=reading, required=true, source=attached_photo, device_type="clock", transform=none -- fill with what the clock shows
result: 1:41
